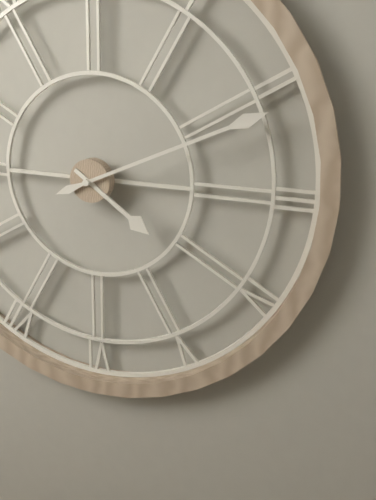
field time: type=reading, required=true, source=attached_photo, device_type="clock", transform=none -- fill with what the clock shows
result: 4:11
